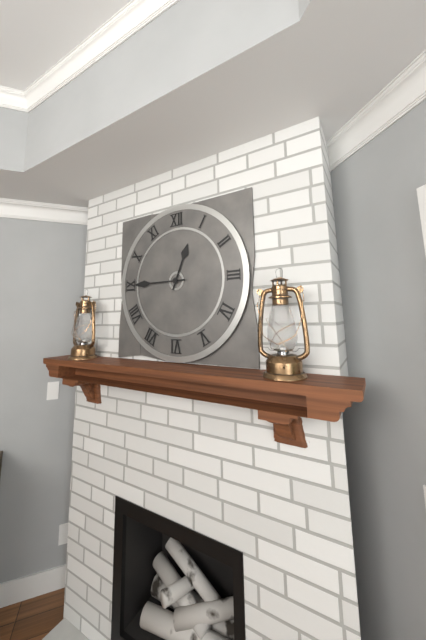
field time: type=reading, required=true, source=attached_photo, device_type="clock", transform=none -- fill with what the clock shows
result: 12:45
